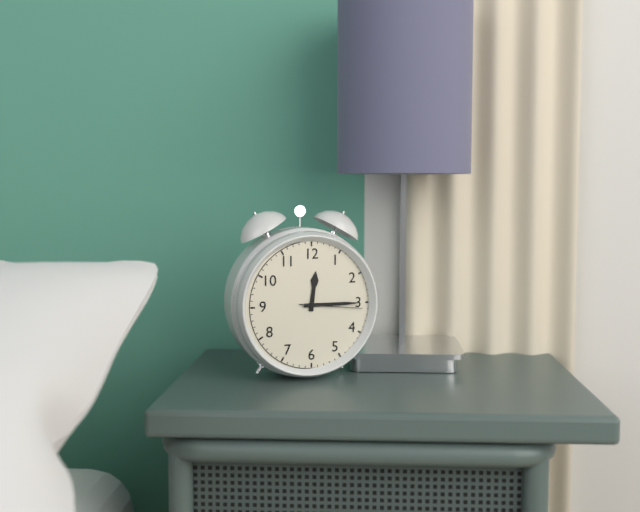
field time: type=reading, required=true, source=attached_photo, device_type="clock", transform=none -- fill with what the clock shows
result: 12:15:16
